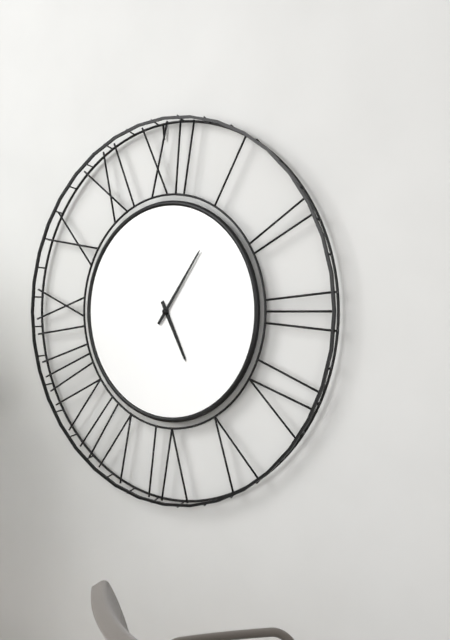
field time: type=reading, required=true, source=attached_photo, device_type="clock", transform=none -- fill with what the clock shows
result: 5:06
